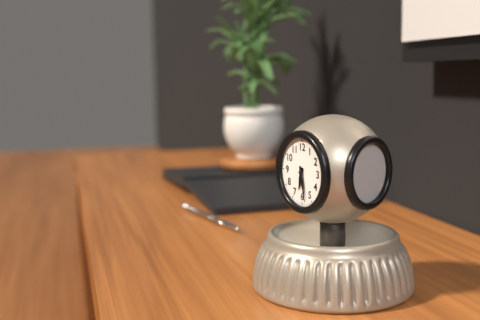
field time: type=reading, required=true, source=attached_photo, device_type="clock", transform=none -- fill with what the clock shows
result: 6:28
